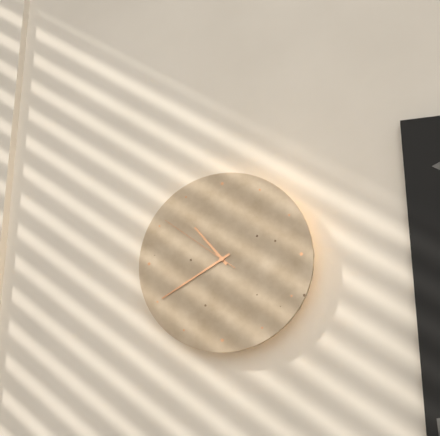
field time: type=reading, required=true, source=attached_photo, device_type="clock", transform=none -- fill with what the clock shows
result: 10:40:51
